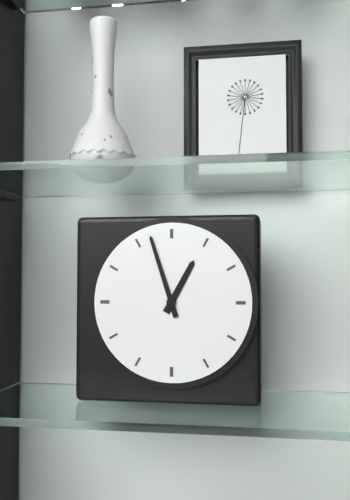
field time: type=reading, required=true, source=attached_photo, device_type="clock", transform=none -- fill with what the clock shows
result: 12:57
